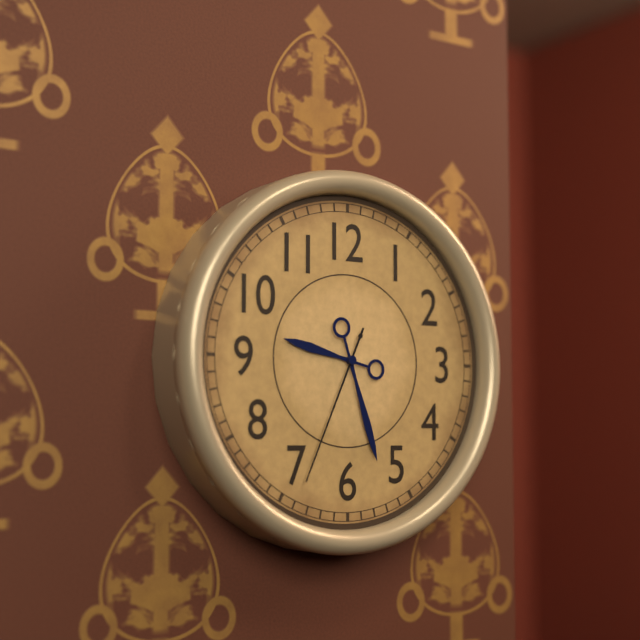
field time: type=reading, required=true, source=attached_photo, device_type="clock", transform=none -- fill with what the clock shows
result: 9:27:34
